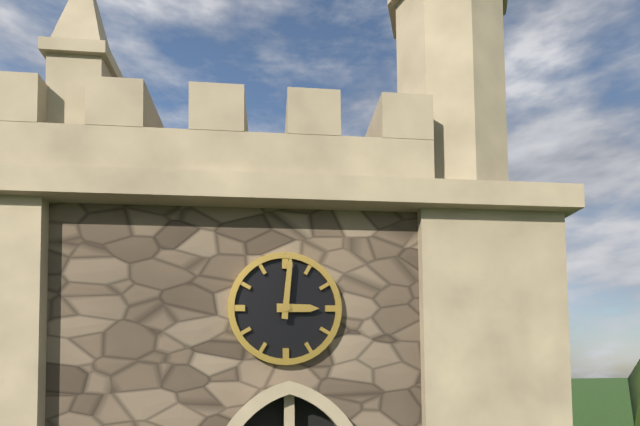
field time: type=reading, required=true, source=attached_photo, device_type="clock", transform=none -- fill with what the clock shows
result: 3:01
